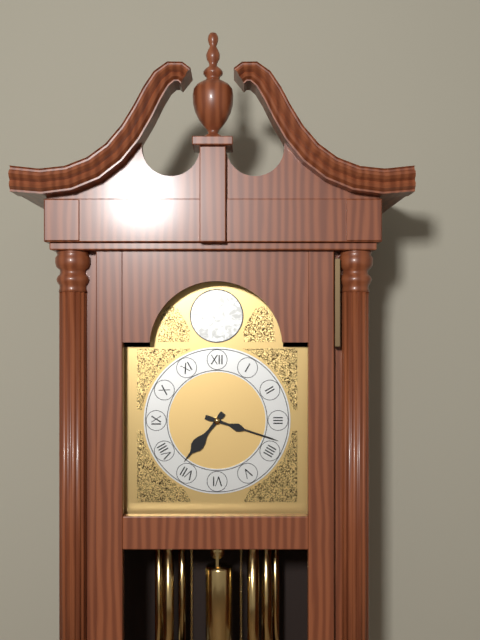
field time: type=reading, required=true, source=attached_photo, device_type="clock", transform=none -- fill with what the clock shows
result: 7:18
